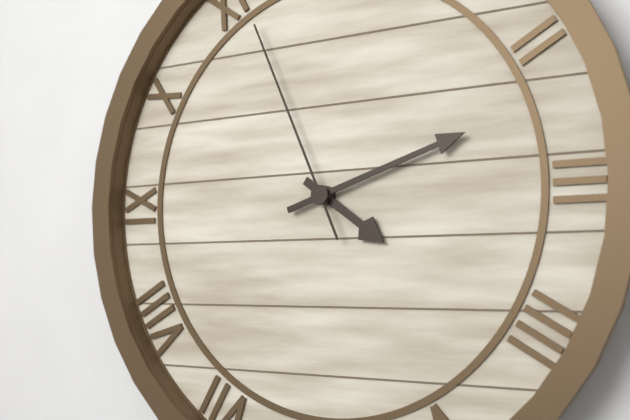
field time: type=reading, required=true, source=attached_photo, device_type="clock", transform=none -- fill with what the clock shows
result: 4:12:56
